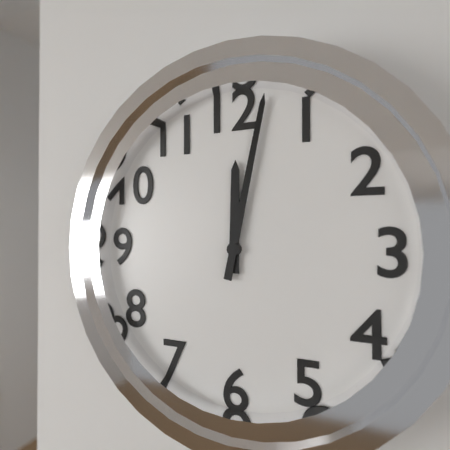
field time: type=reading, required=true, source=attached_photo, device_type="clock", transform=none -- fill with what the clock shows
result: 12:02
